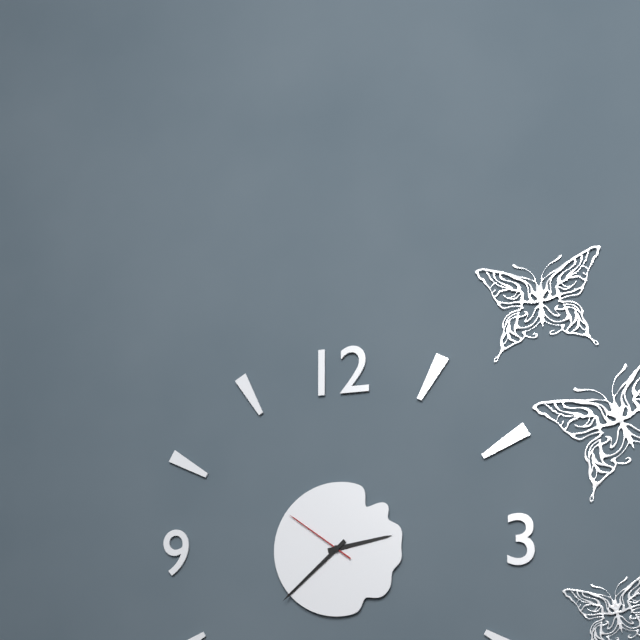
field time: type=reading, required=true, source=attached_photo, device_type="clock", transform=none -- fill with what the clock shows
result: 2:38:51
